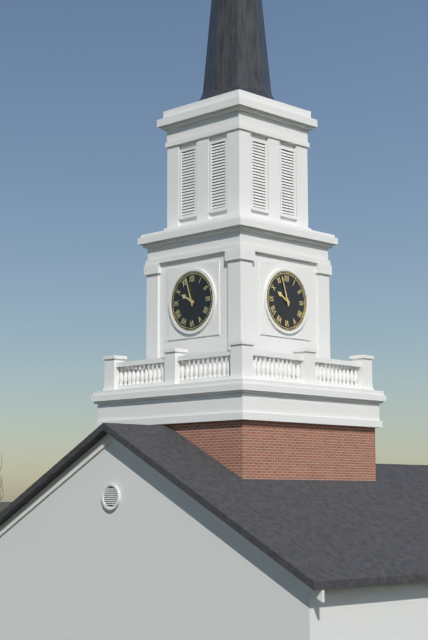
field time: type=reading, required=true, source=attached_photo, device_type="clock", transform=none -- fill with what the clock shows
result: 9:57
